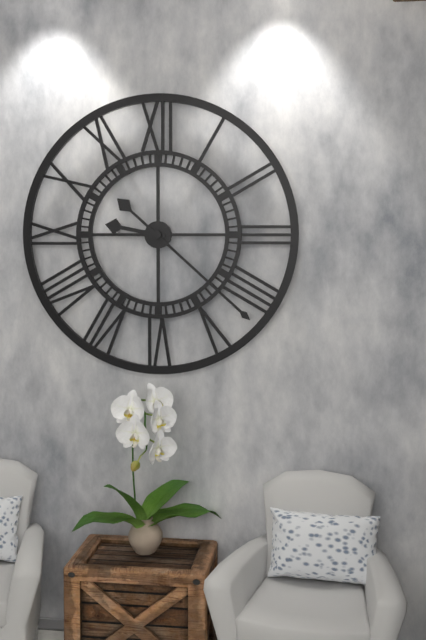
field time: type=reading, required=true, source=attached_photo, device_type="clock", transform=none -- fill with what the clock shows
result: 9:22
